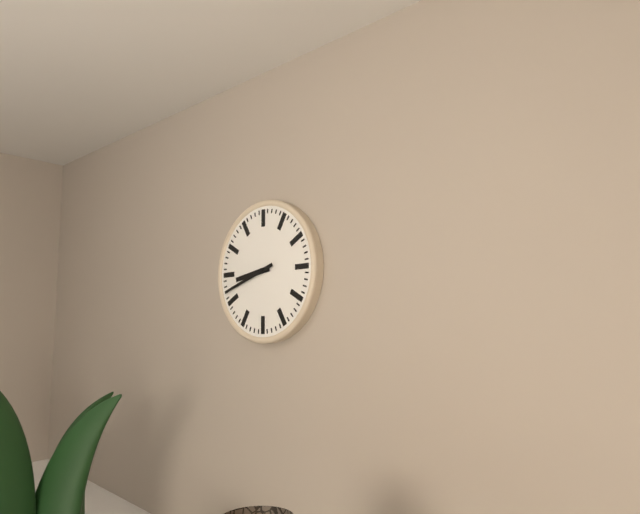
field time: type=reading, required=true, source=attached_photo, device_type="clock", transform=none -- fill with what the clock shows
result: 8:42
